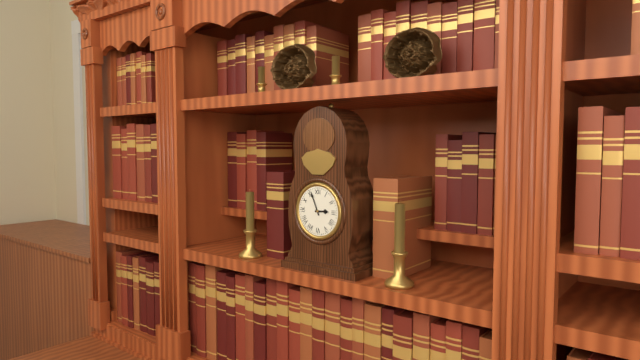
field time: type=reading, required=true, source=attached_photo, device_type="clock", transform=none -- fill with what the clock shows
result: 2:56
